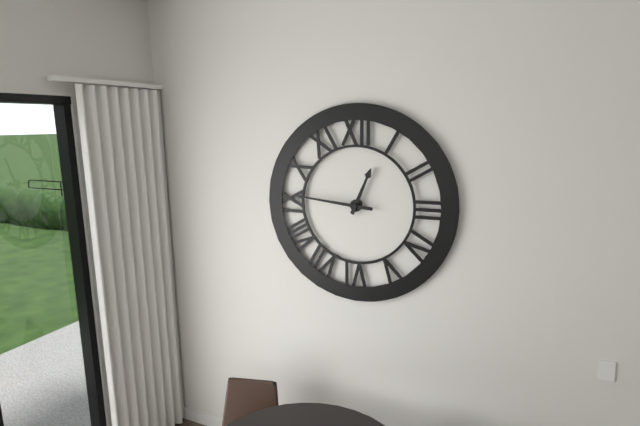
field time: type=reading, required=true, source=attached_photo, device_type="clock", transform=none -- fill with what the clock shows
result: 12:46
